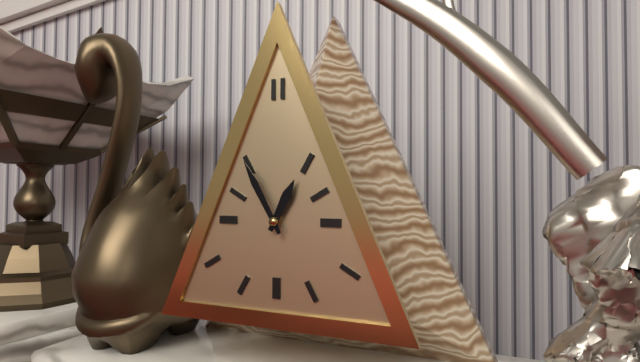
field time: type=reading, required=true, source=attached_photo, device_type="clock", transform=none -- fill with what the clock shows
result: 12:55
